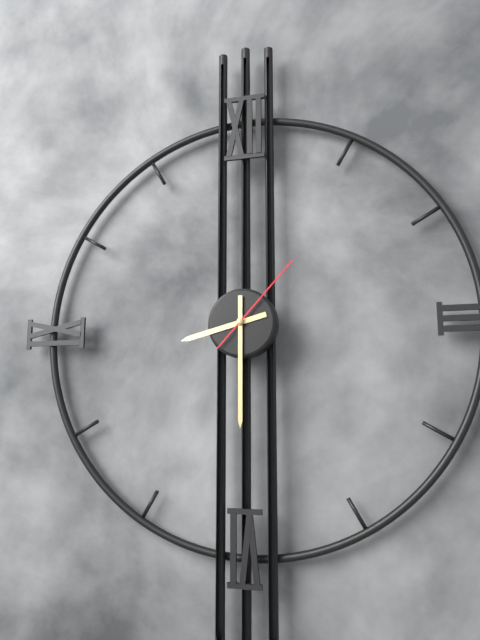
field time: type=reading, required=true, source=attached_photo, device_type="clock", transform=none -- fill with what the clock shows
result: 8:30:07
